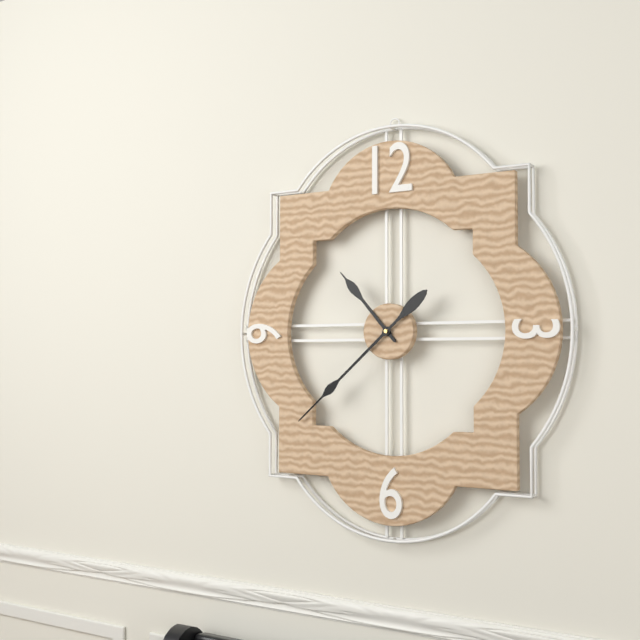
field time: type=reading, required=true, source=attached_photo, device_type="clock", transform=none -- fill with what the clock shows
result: 10:38
